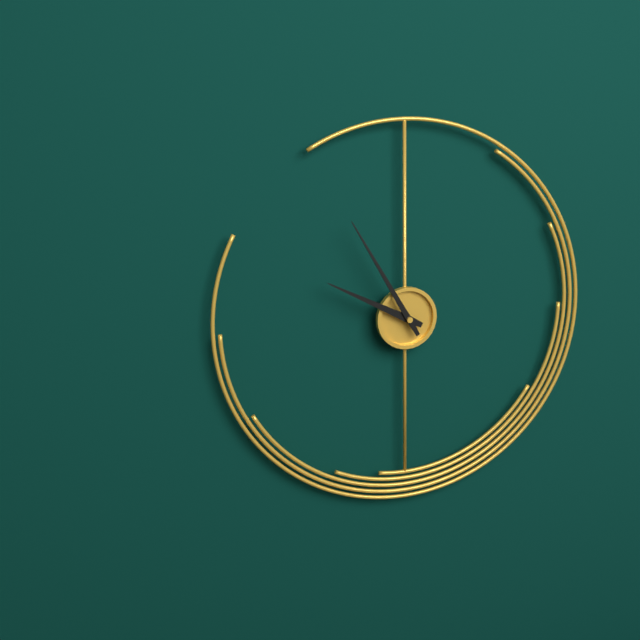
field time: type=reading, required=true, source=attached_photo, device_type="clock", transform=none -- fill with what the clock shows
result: 9:55
